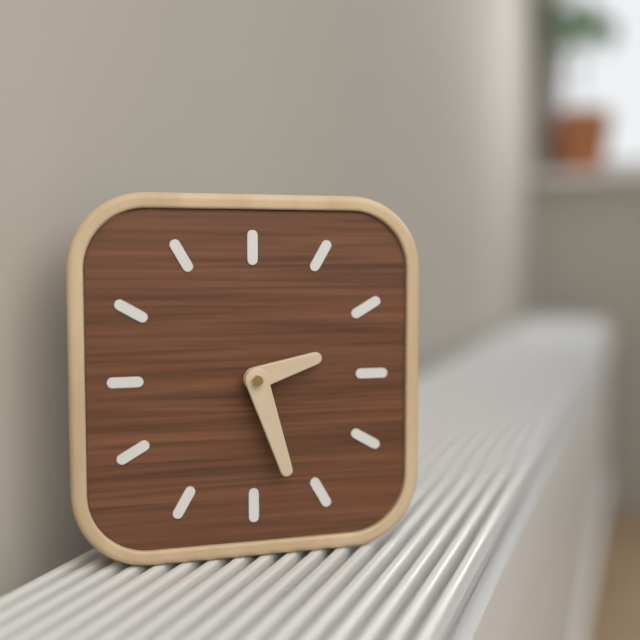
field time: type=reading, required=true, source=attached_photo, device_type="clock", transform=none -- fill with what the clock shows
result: 2:27
